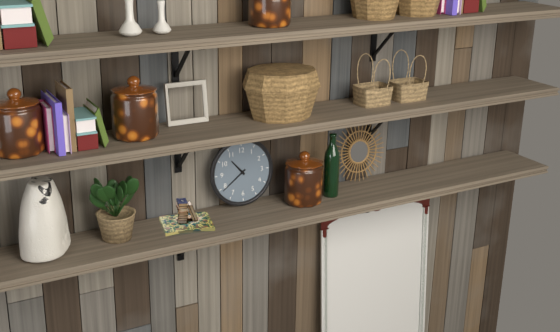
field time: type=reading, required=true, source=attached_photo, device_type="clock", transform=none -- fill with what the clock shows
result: 10:39
